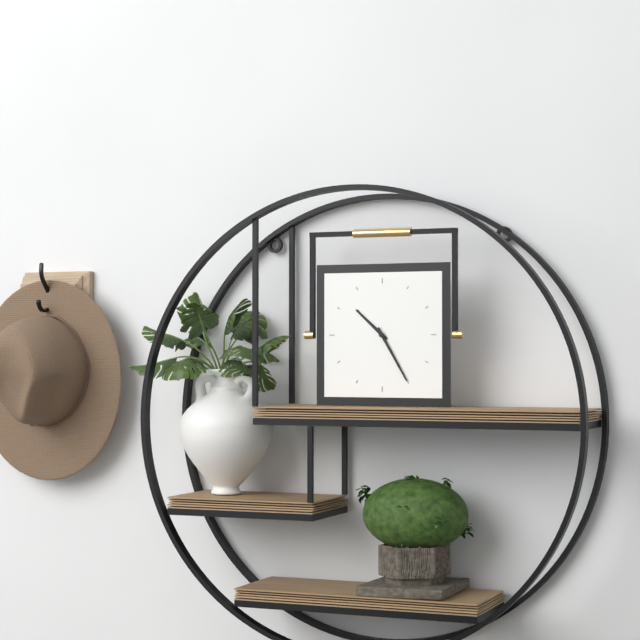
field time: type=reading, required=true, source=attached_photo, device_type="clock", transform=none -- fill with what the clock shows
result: 10:25
